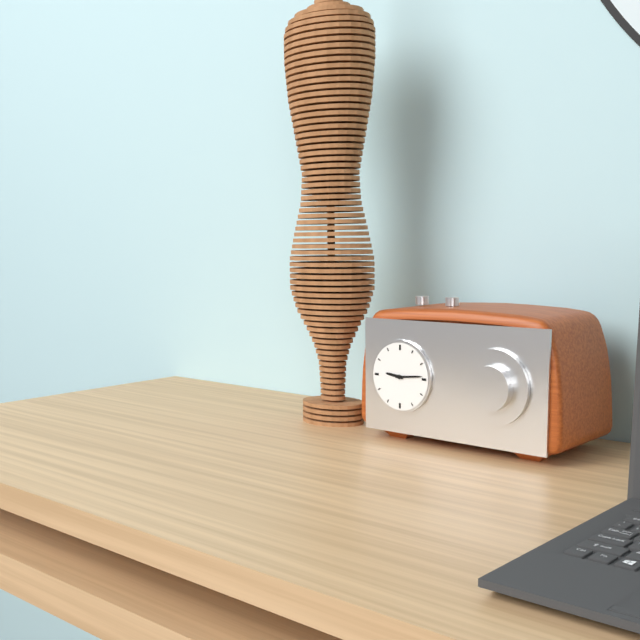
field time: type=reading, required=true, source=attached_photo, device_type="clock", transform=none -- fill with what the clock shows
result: 9:14
